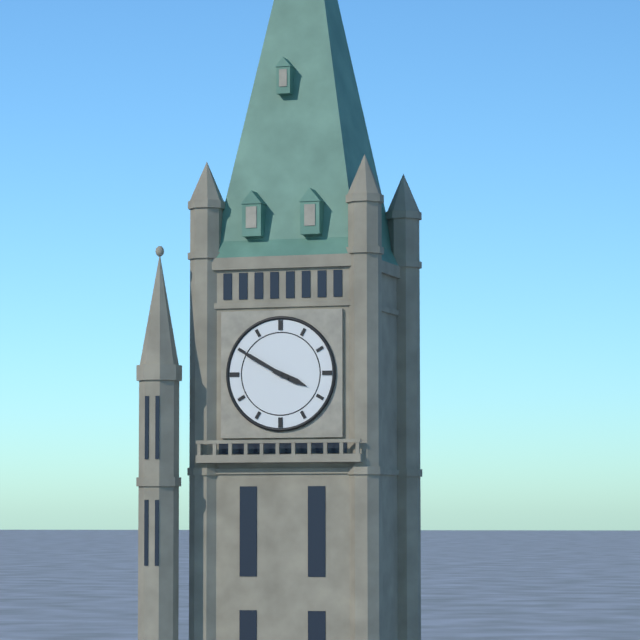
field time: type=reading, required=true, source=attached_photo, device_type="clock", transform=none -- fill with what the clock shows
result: 3:50
